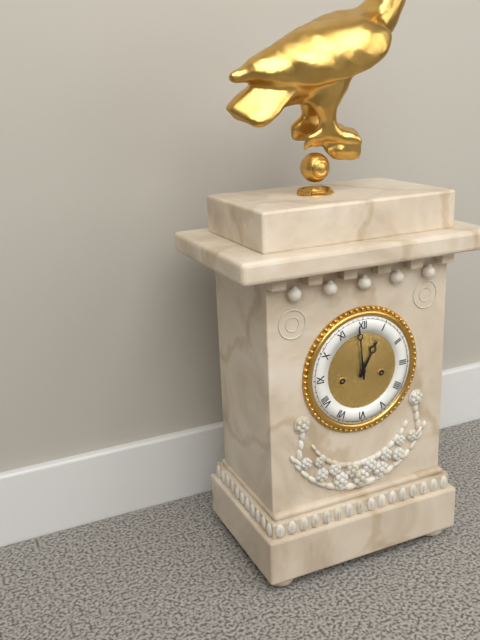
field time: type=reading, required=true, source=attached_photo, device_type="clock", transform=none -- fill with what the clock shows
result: 12:59
